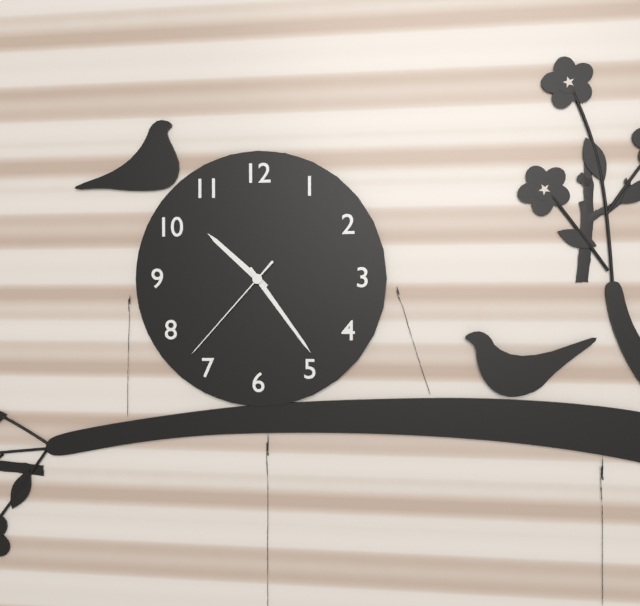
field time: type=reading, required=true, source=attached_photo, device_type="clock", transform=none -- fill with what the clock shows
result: 10:24:37
